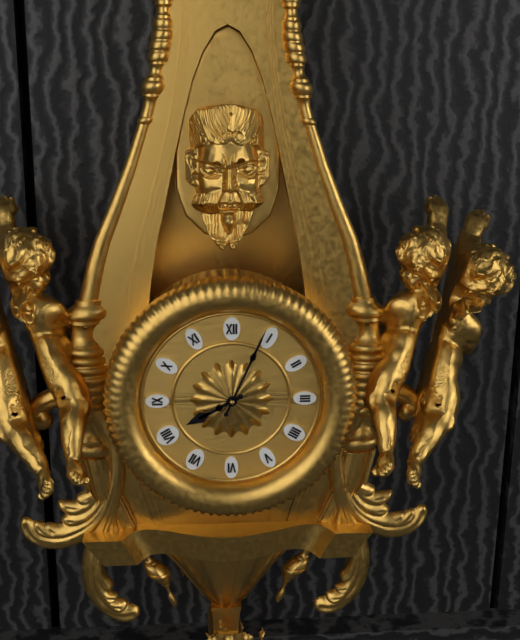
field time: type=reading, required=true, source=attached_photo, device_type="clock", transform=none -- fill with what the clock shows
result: 8:04
